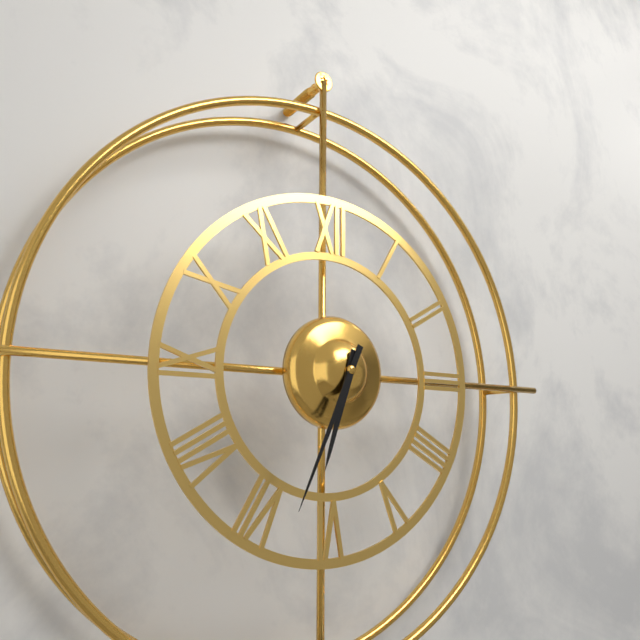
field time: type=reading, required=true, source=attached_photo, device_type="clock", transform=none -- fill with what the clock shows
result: 6:34
